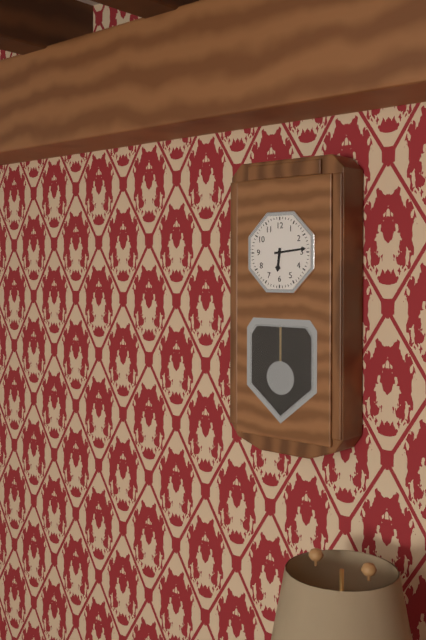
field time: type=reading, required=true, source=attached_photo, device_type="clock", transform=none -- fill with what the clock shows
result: 6:14
